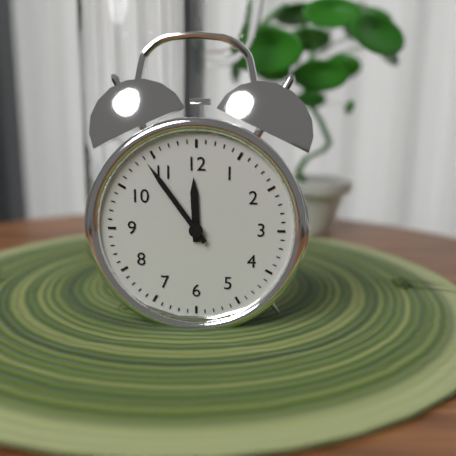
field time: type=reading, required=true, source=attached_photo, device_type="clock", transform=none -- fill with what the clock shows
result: 11:54
